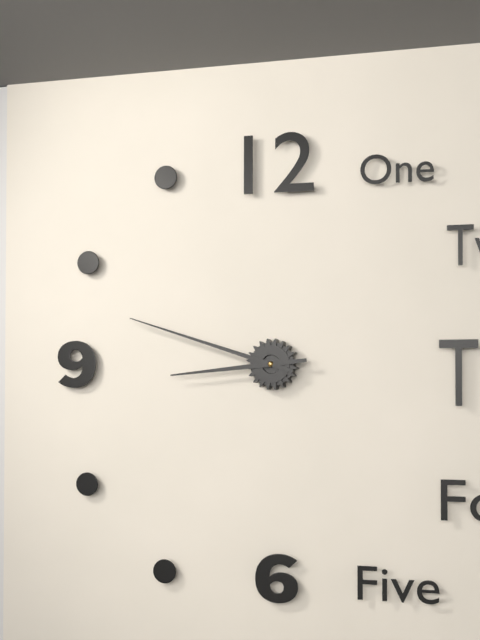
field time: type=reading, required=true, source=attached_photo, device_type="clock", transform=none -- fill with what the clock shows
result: 8:48
